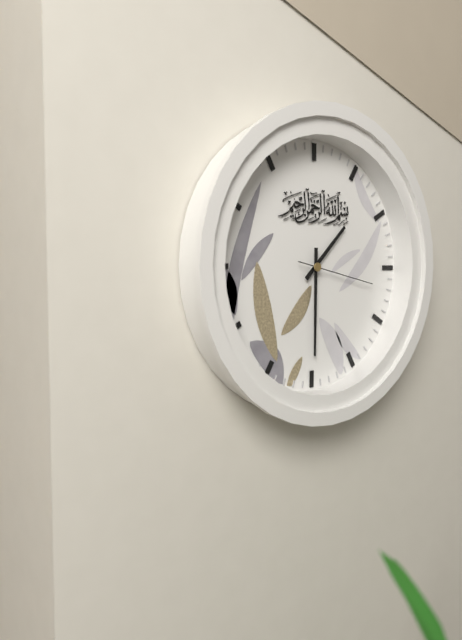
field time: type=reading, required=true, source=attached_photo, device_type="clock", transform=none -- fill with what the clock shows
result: 1:30:17
